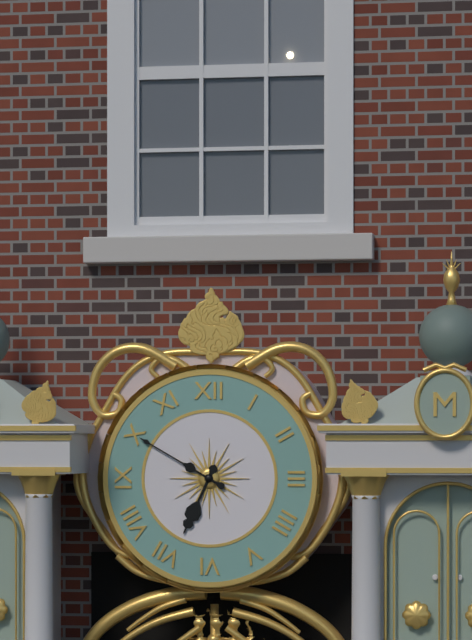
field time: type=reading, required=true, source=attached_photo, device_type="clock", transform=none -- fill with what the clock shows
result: 6:50
